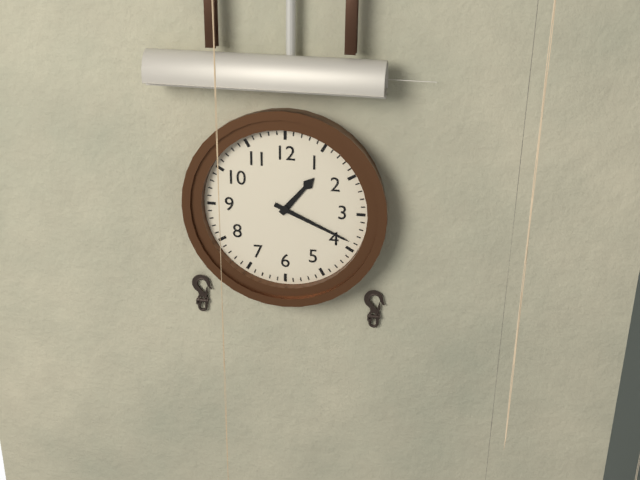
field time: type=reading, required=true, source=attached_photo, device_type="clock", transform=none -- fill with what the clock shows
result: 1:19
